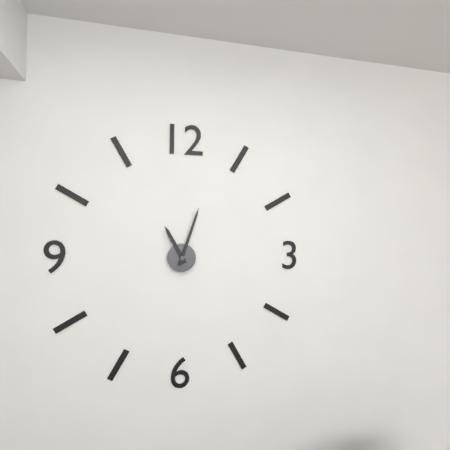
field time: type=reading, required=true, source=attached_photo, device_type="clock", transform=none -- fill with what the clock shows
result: 11:03
